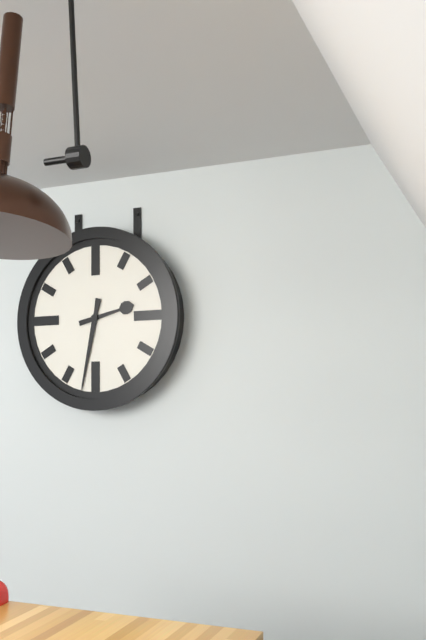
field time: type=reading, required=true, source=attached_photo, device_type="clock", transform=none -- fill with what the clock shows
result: 2:32
